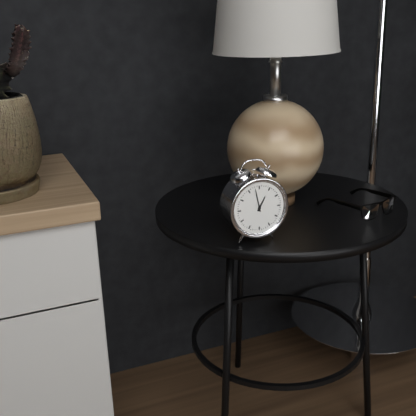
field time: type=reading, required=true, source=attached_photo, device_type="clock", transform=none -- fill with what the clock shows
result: 12:58
